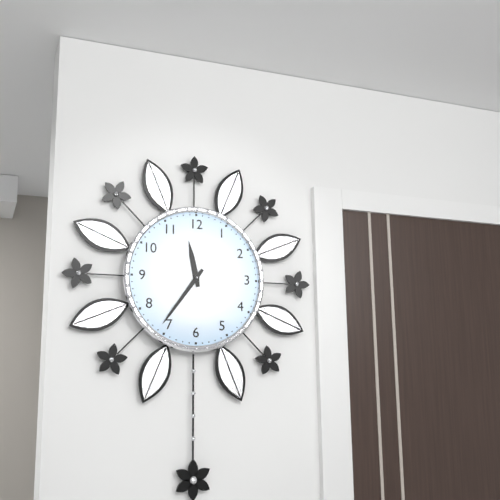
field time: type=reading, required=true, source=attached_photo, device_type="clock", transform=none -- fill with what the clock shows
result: 11:36
